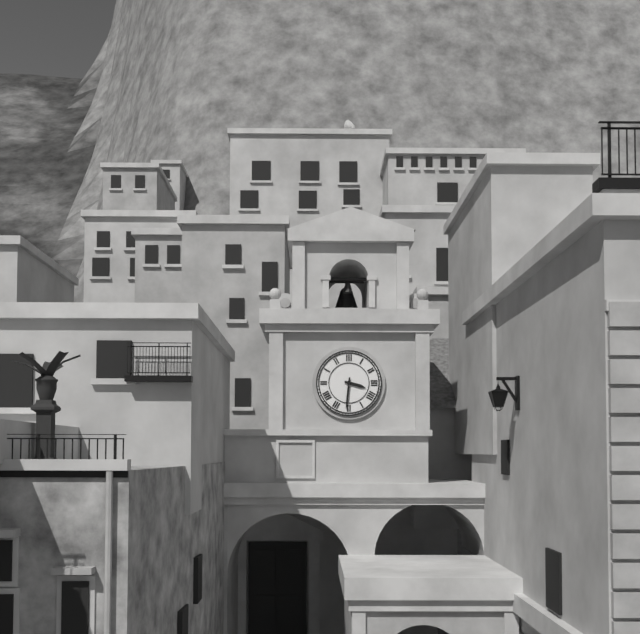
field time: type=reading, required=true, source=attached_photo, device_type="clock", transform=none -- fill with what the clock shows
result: 3:31
